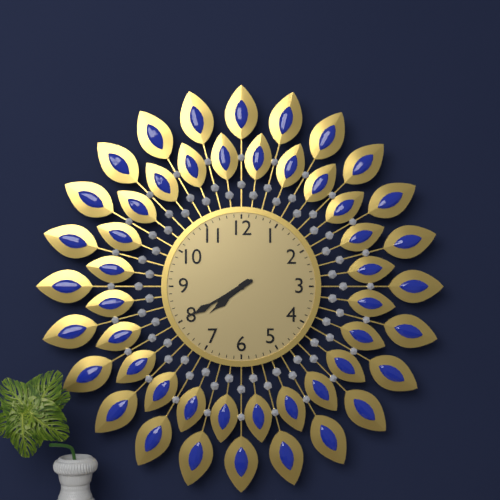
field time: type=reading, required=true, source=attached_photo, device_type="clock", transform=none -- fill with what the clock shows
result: 7:40
